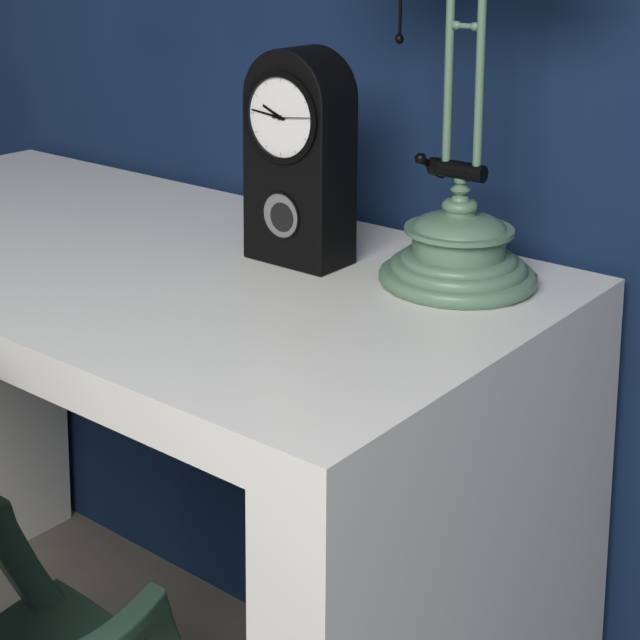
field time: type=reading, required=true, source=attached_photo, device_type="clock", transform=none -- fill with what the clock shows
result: 9:46
